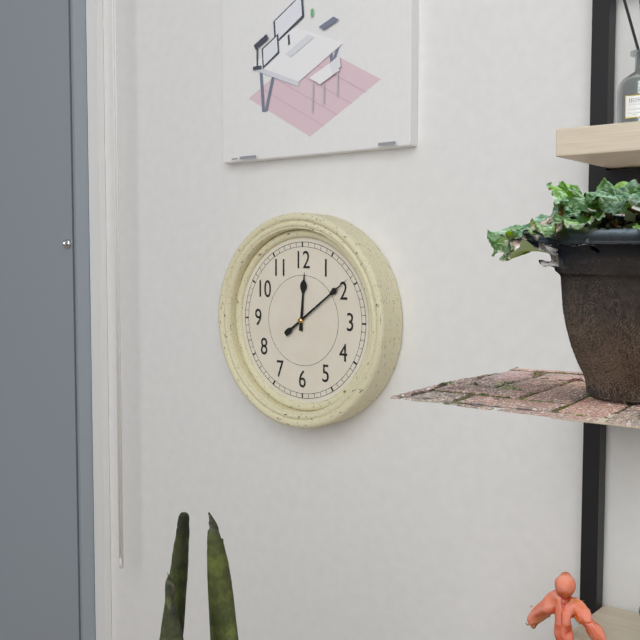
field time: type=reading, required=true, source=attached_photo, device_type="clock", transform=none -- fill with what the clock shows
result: 12:09
